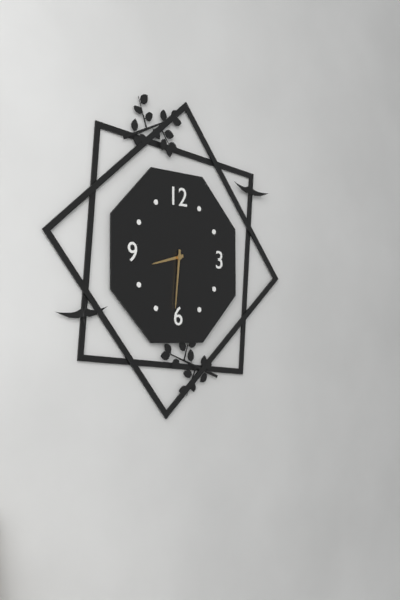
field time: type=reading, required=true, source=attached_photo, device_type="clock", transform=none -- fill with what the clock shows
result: 8:31
